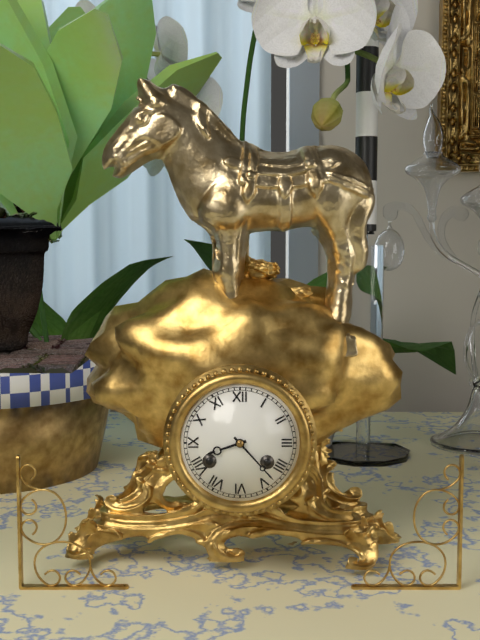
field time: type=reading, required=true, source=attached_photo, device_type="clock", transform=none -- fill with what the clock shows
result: 8:23
